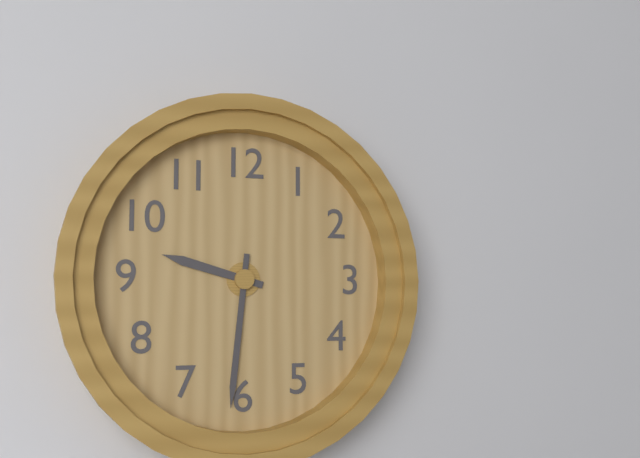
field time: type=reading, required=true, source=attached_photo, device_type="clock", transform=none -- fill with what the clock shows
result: 9:31
